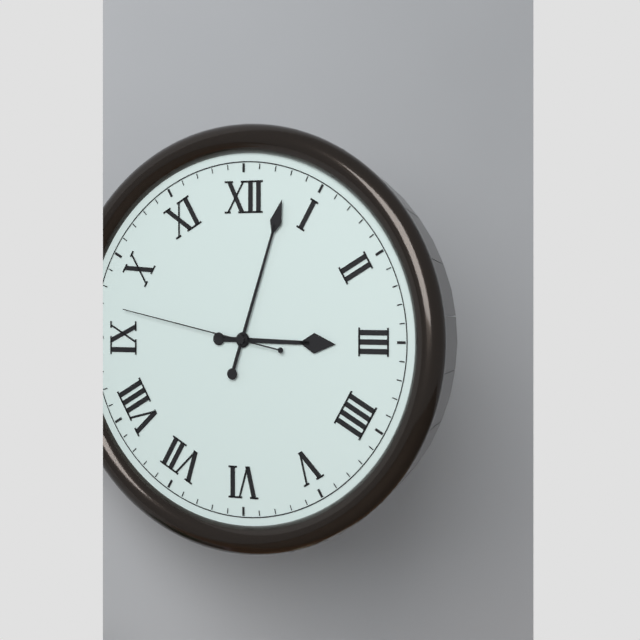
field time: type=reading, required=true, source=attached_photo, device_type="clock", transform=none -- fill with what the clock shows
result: 3:03:47
